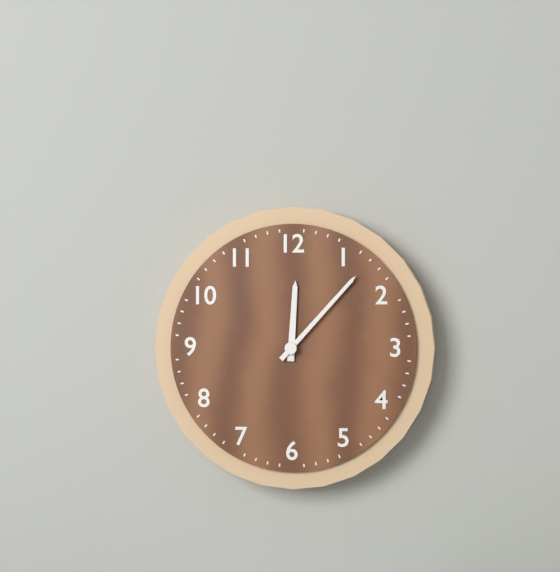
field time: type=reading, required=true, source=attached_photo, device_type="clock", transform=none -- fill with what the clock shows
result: 12:07
